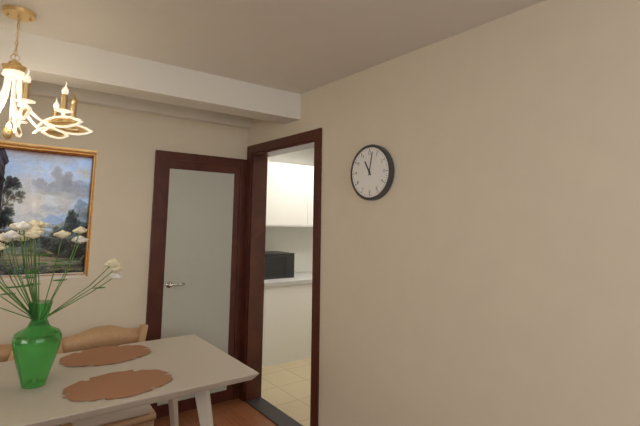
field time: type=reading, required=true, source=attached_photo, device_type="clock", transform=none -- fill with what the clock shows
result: 11:02
